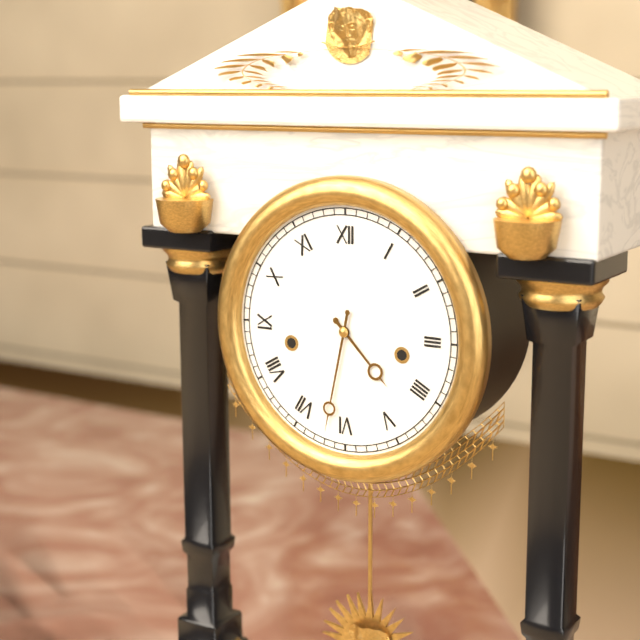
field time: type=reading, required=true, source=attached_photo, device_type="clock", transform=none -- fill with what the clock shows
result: 4:32
